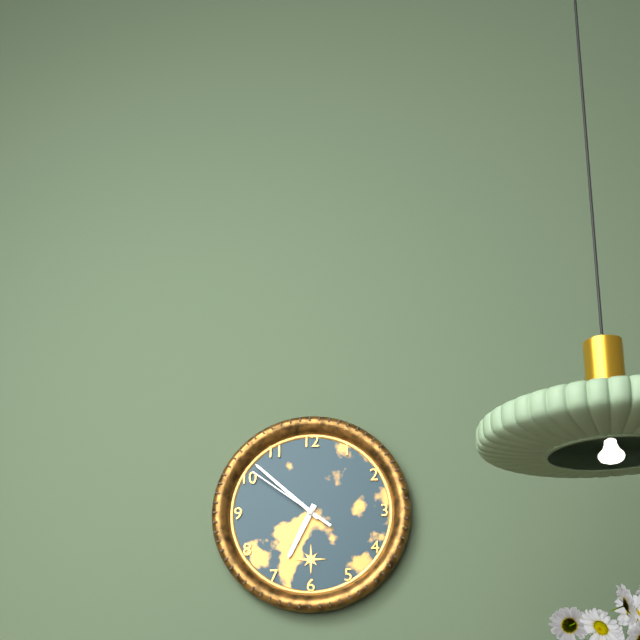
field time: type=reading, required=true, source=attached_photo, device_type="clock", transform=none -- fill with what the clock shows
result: 6:52:51
